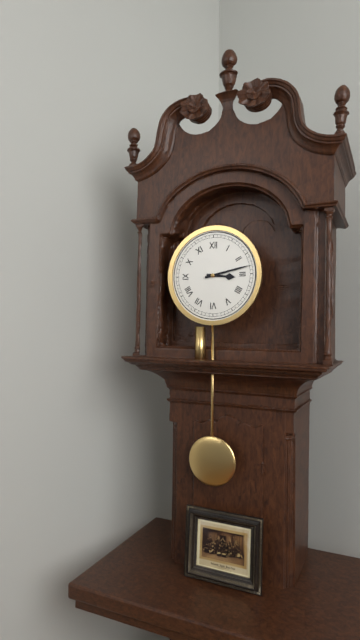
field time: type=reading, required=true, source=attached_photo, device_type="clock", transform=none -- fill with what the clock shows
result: 3:13
